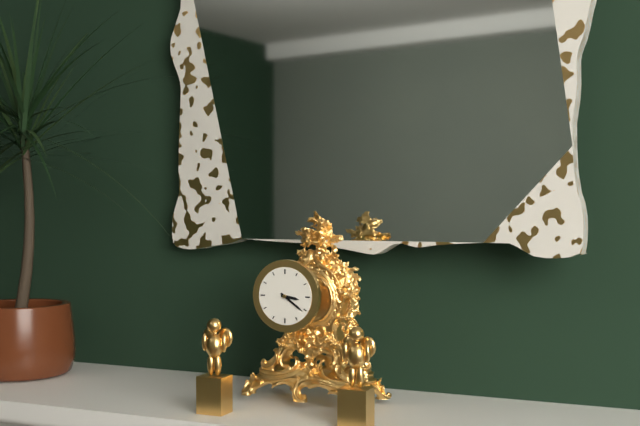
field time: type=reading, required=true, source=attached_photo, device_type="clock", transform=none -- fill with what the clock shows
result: 3:21
